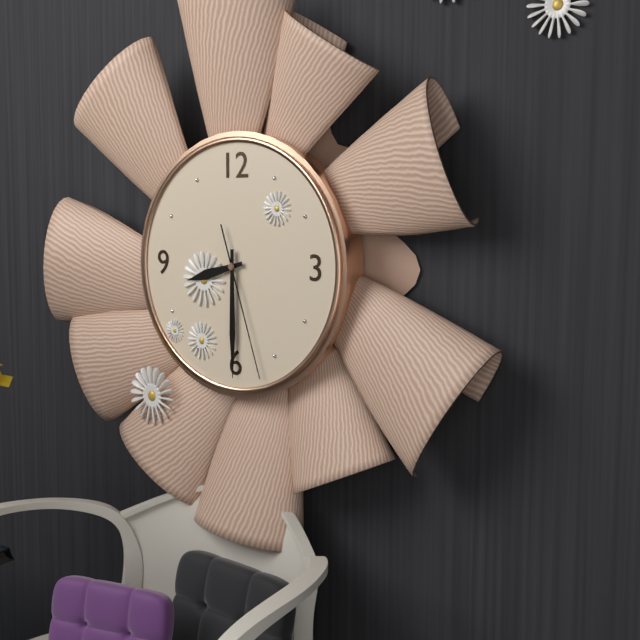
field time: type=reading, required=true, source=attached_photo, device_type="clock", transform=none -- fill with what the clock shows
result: 8:30:27
